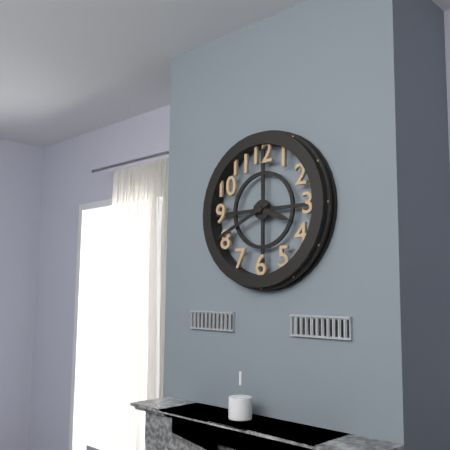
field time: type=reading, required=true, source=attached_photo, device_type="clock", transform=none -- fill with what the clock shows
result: 3:41
